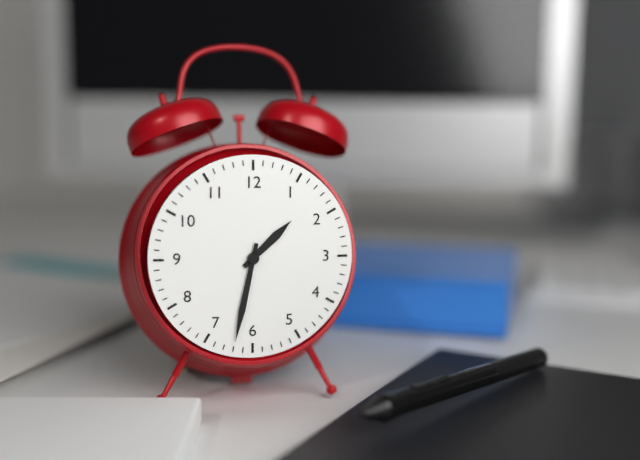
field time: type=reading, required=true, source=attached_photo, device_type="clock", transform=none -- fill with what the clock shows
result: 1:32
